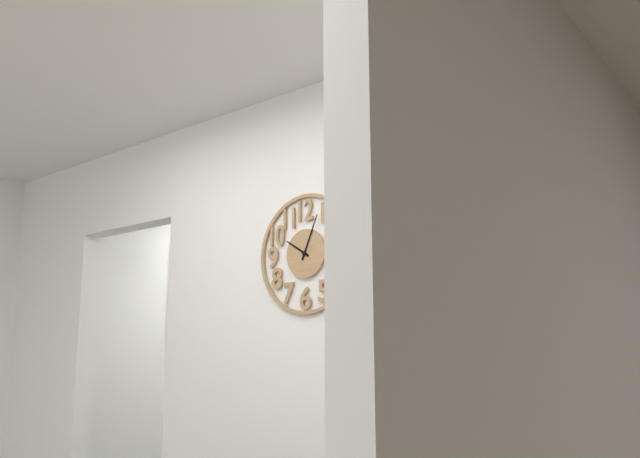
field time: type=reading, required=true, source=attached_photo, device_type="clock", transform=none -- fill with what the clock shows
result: 10:04
